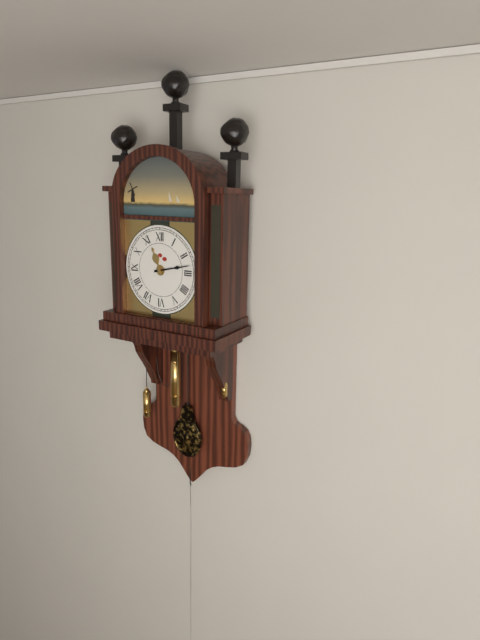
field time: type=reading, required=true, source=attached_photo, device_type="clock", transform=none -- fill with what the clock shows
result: 11:13
